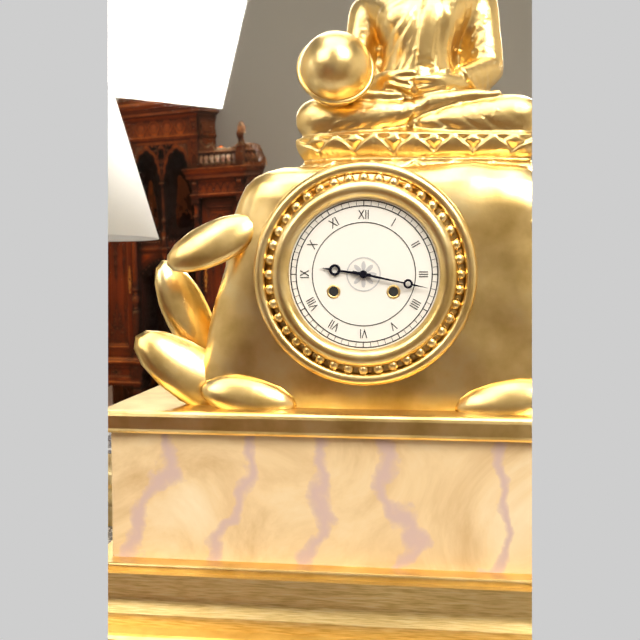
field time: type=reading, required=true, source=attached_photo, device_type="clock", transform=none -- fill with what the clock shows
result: 9:17
